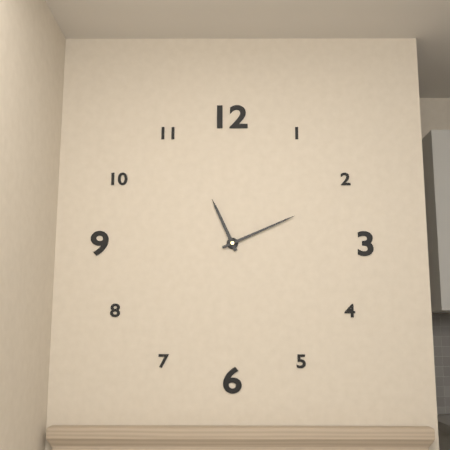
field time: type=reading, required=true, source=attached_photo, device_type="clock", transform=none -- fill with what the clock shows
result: 11:11
